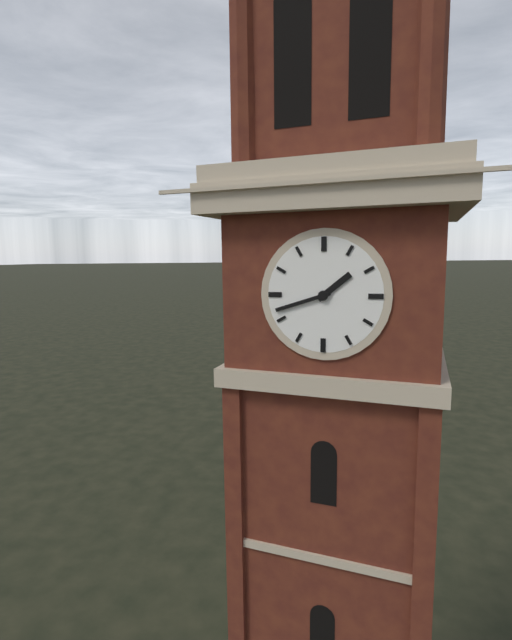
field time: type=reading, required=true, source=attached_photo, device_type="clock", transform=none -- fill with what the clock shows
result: 1:42
